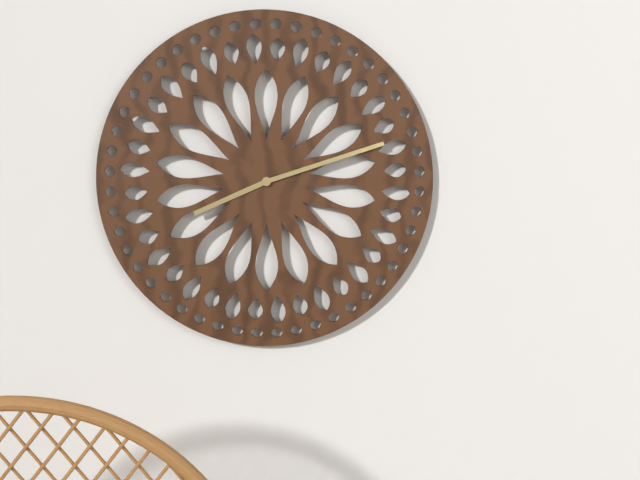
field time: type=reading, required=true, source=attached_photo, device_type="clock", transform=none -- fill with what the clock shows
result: 8:12
